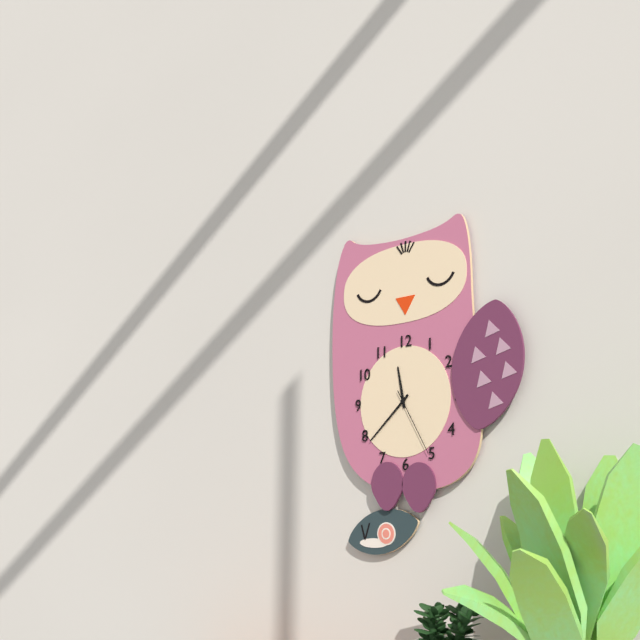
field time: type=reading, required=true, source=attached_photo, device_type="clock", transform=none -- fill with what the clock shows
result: 11:38:25
